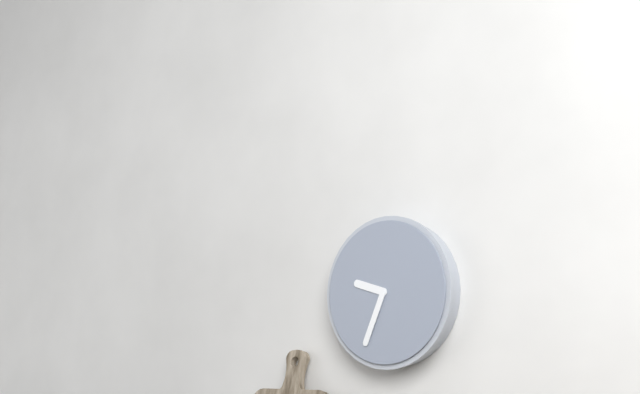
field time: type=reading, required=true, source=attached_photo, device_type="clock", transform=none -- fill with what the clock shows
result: 9:34
